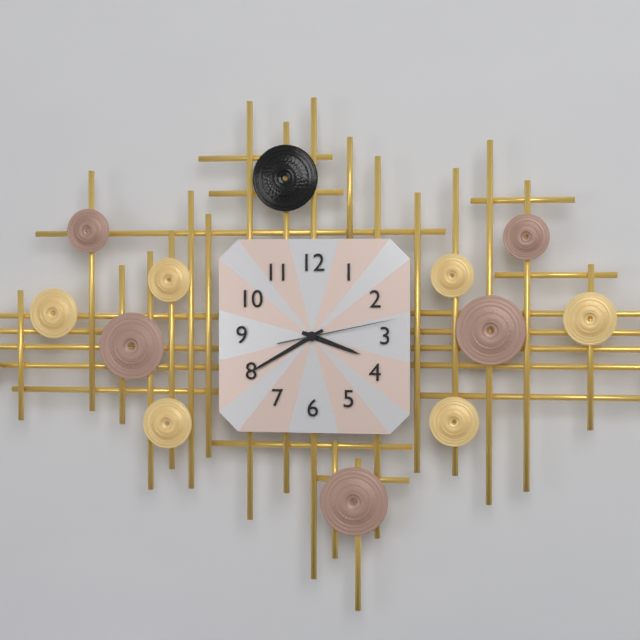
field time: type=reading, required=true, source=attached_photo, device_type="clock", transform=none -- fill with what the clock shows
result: 3:40:13
